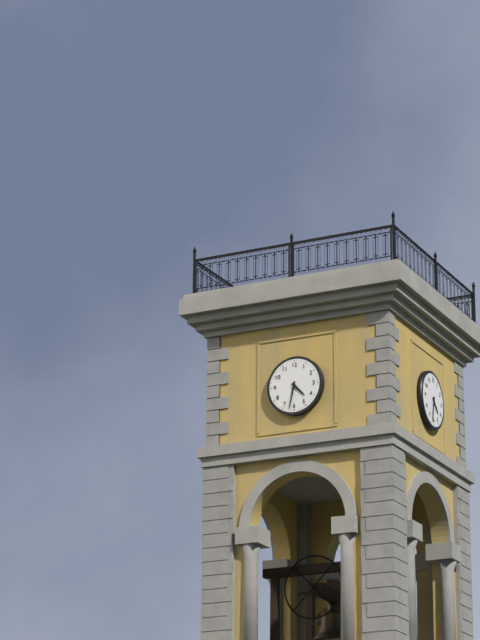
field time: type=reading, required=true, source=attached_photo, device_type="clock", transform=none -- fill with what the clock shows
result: 4:32
